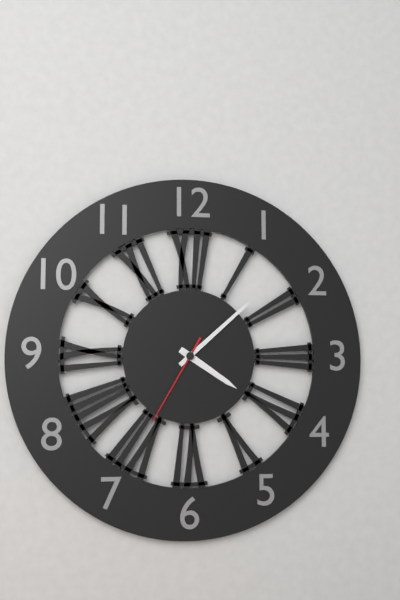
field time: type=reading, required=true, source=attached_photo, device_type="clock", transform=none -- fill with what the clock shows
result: 4:08:35
